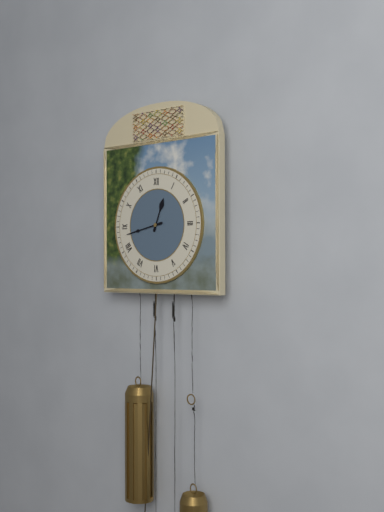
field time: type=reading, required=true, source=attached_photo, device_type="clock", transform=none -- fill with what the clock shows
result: 12:43
